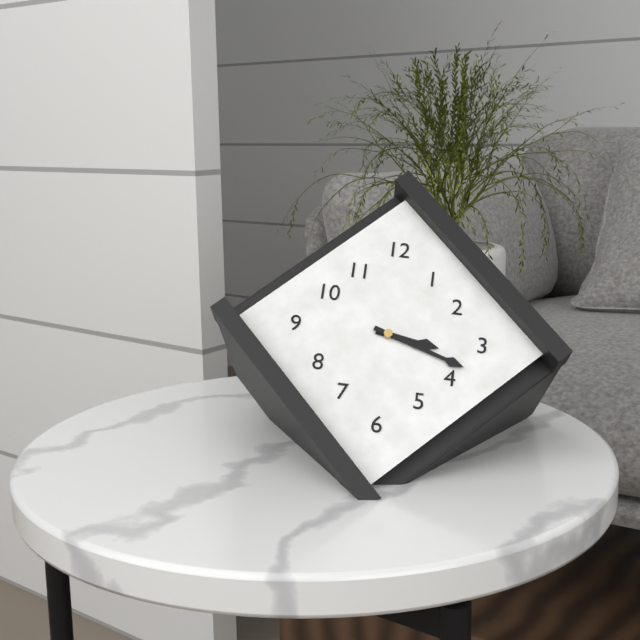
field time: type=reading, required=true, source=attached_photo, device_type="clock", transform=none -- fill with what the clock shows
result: 3:18
